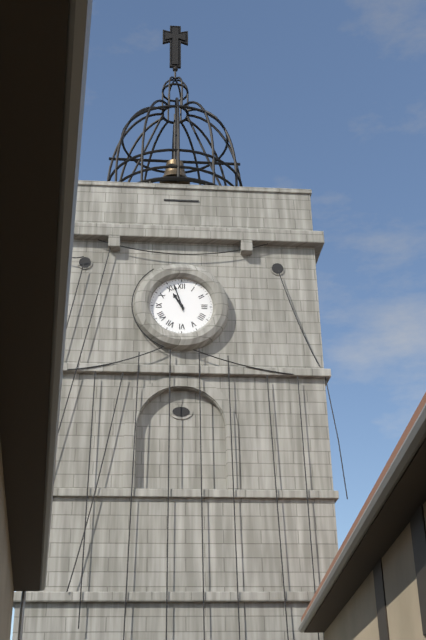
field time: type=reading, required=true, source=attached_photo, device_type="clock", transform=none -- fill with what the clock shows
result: 10:57
